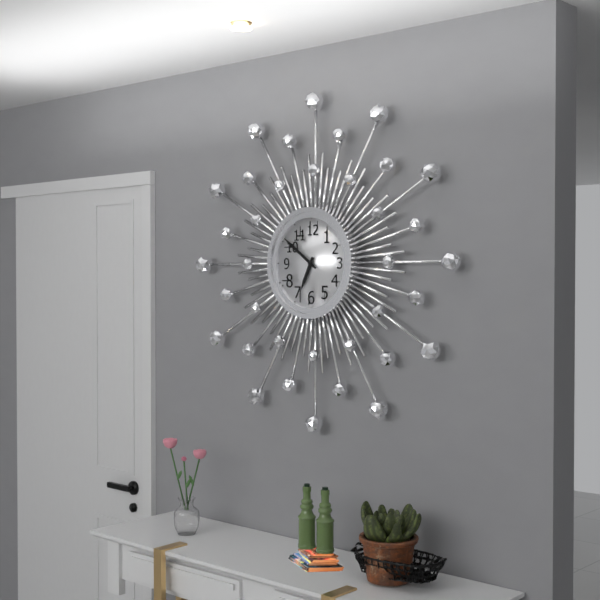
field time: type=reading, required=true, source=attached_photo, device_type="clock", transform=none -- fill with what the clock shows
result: 6:51
